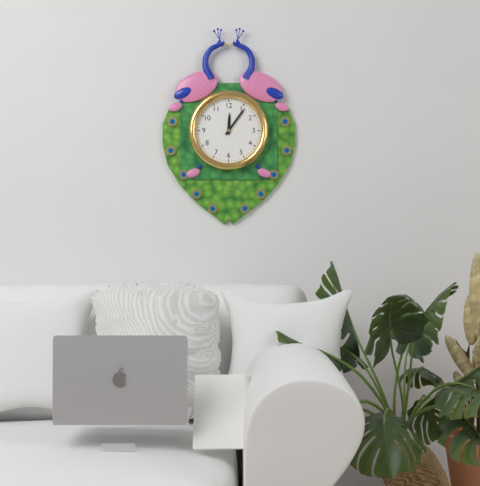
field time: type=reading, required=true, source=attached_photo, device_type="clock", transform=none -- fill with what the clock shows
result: 12:06
